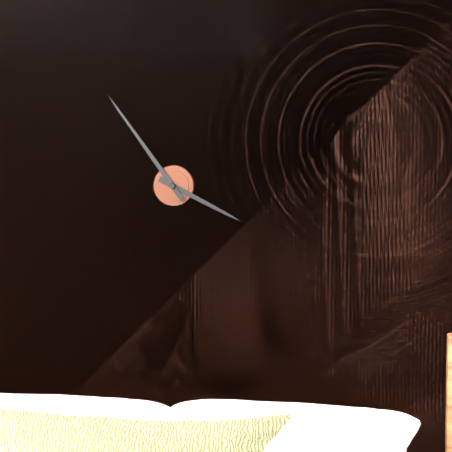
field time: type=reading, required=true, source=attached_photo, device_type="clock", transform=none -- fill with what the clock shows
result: 3:54
